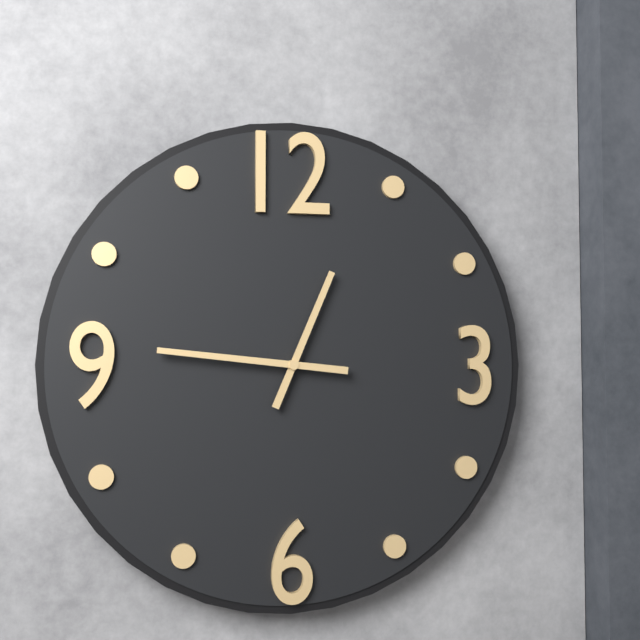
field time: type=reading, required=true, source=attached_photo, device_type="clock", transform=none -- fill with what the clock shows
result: 12:46
